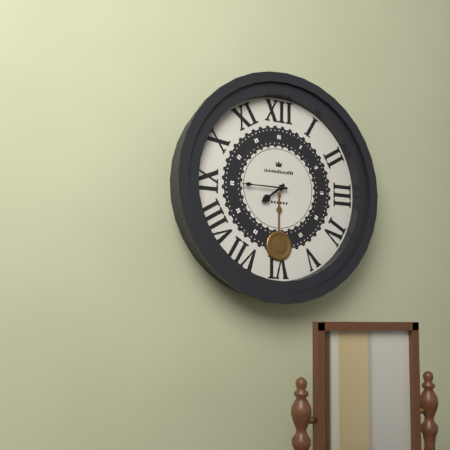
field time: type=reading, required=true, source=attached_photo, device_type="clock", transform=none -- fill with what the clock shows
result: 7:45
